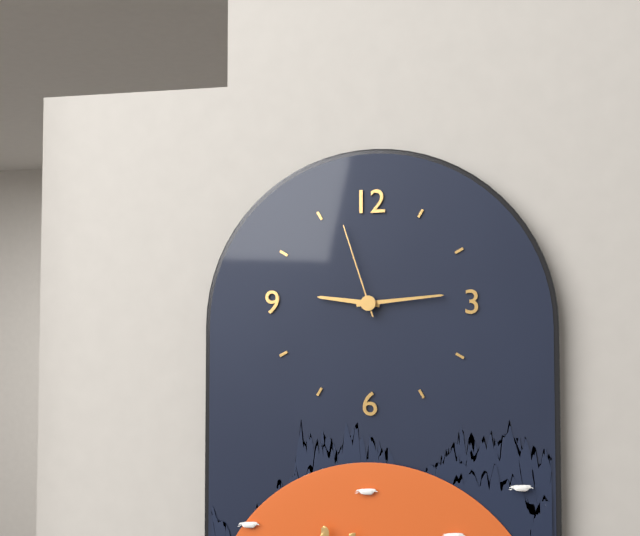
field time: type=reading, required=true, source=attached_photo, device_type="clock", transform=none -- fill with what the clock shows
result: 9:14:57
